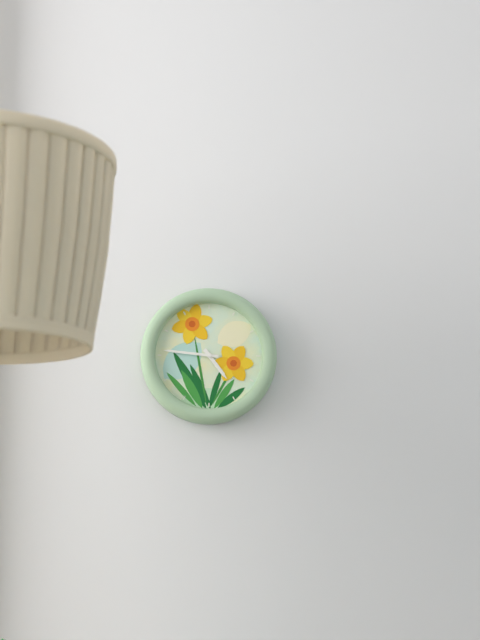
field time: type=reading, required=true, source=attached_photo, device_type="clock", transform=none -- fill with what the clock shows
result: 4:46
